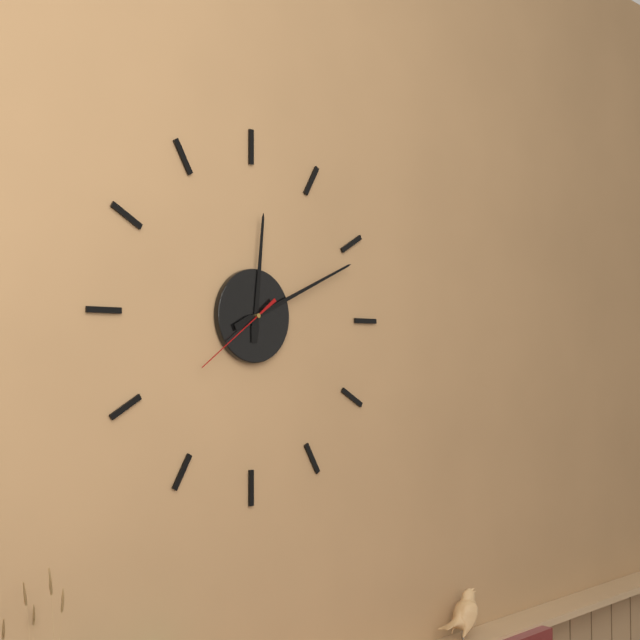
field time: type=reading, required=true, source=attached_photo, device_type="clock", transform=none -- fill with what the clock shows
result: 12:11:39
